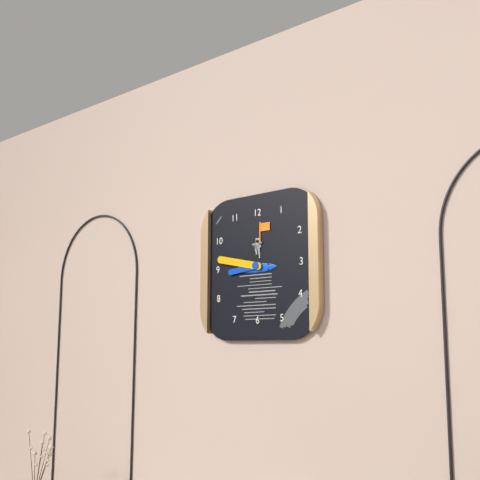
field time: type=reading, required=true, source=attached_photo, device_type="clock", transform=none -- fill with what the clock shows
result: 8:47
